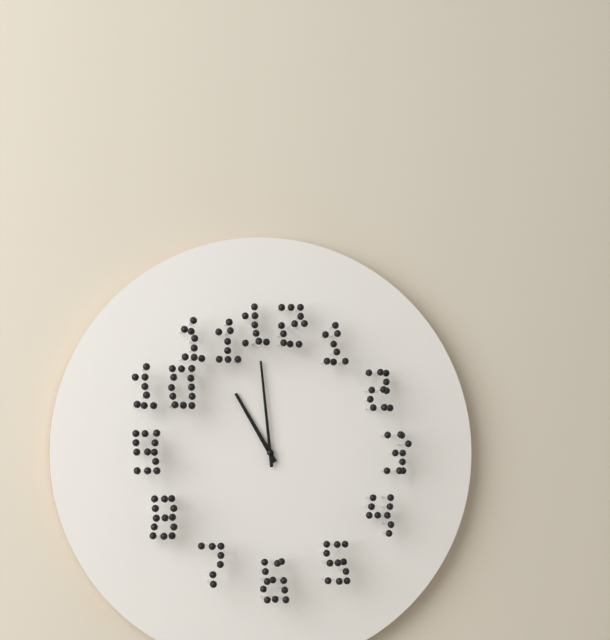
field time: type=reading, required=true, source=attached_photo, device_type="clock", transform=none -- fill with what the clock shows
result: 10:59
